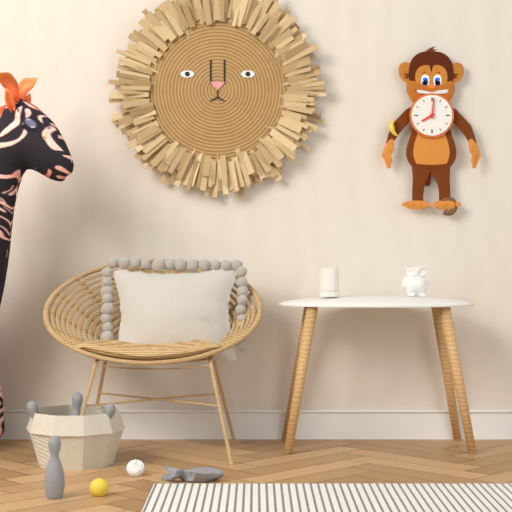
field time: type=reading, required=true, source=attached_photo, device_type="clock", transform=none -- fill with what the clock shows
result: 8:01
